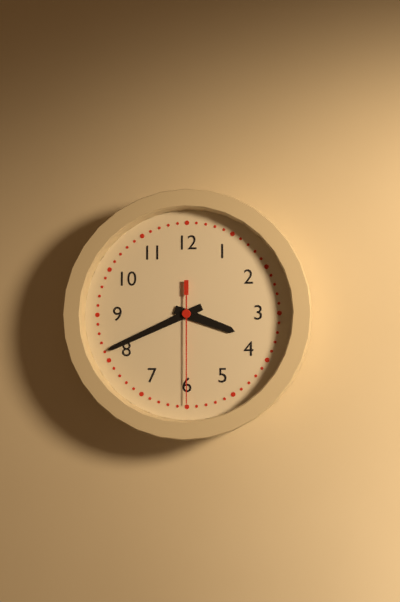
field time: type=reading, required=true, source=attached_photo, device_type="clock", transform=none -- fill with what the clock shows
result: 3:41:30
